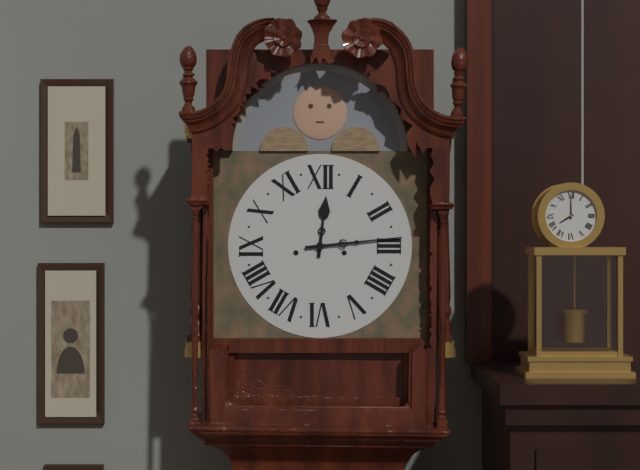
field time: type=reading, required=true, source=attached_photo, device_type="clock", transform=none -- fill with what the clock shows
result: 12:14
